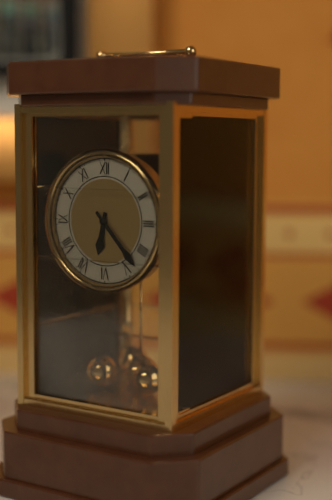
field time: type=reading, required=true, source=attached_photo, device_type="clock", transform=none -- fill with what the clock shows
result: 6:23
